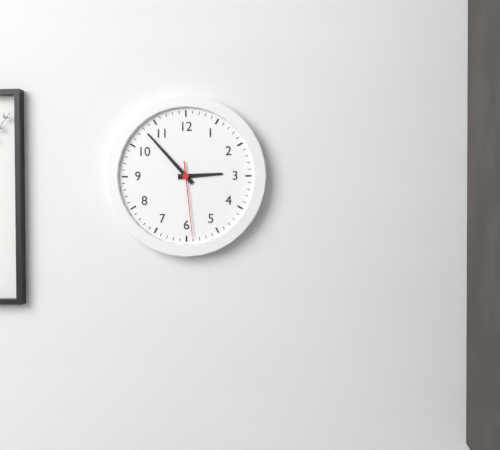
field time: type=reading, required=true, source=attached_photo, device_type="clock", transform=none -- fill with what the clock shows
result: 2:53:29
